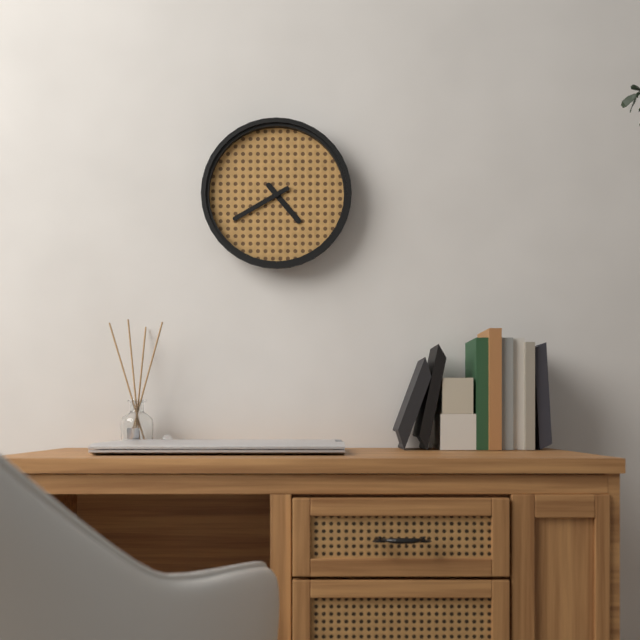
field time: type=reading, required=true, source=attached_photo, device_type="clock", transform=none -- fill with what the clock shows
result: 4:40
